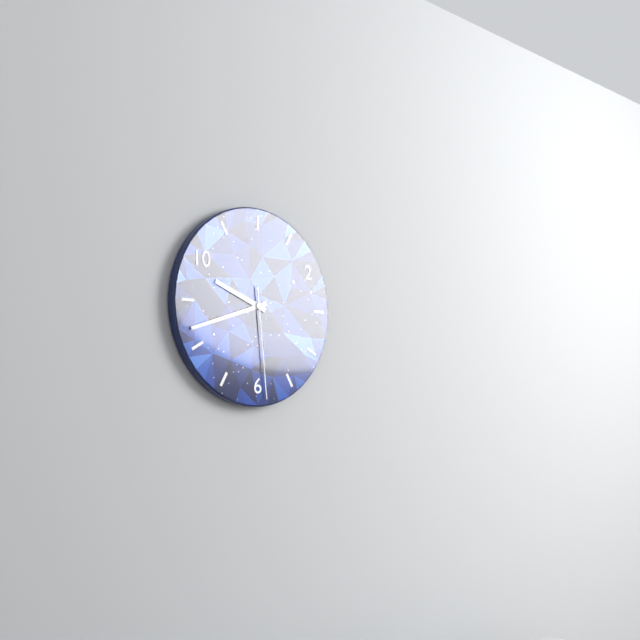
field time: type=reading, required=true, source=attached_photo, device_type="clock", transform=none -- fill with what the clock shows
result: 9:42:29
